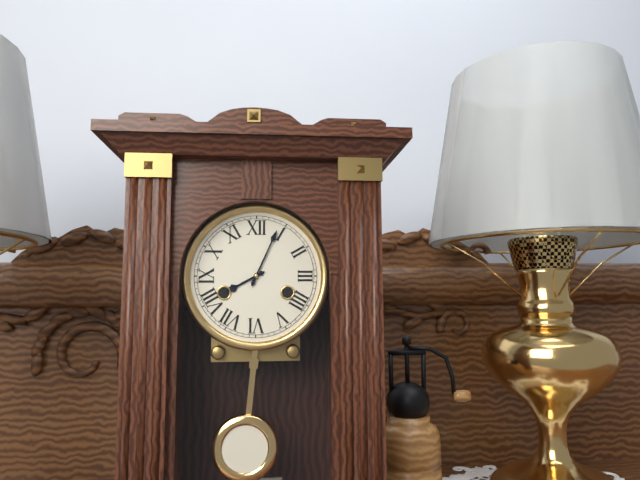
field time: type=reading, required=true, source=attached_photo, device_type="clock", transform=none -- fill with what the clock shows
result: 8:04
